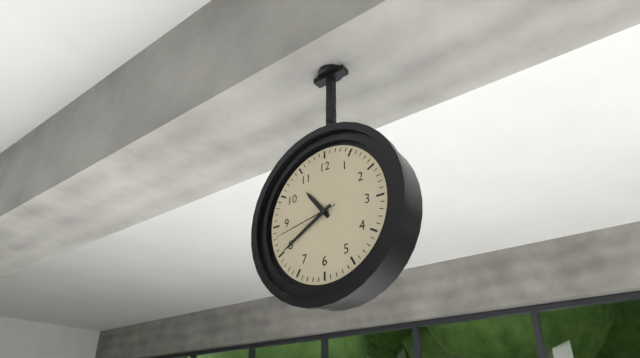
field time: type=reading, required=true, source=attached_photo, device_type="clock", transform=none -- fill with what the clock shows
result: 10:40:43
